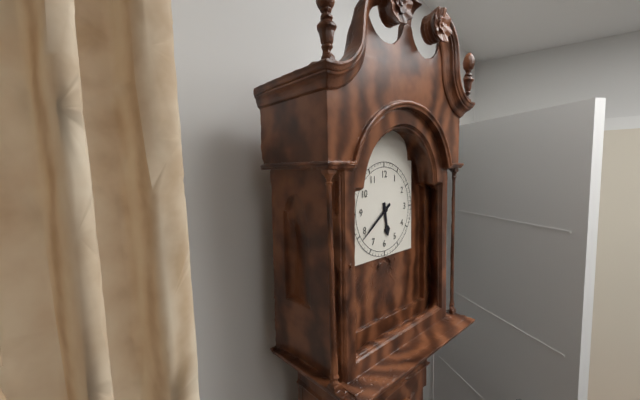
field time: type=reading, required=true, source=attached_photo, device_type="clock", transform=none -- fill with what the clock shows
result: 5:39
